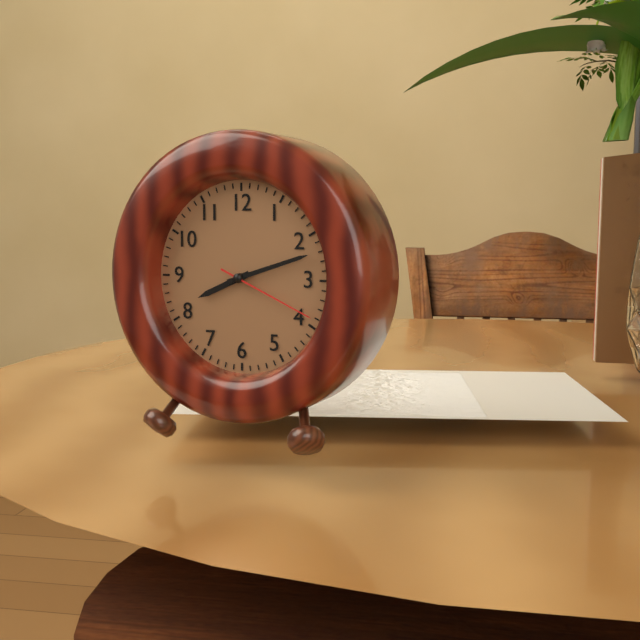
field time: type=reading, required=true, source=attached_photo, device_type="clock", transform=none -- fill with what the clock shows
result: 8:12:19
